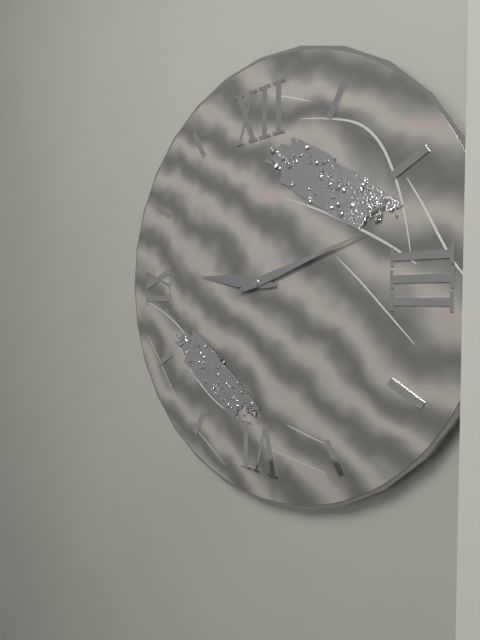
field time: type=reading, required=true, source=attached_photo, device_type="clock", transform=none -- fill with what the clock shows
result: 9:12
